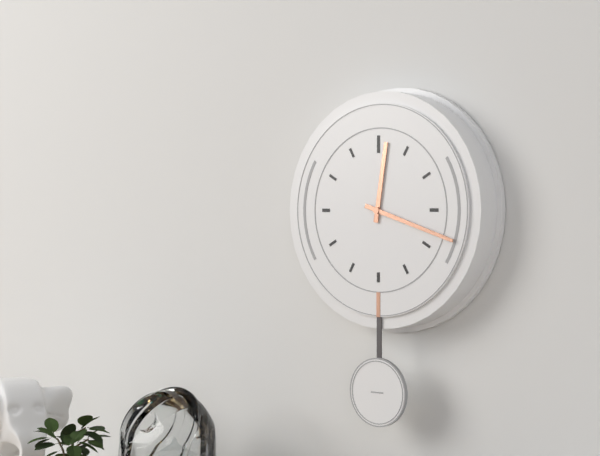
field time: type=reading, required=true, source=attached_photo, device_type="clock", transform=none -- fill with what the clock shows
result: 12:18
